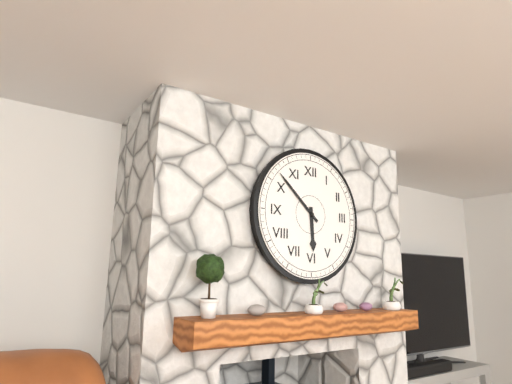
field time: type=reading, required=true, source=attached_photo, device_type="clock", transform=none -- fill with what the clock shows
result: 5:52
